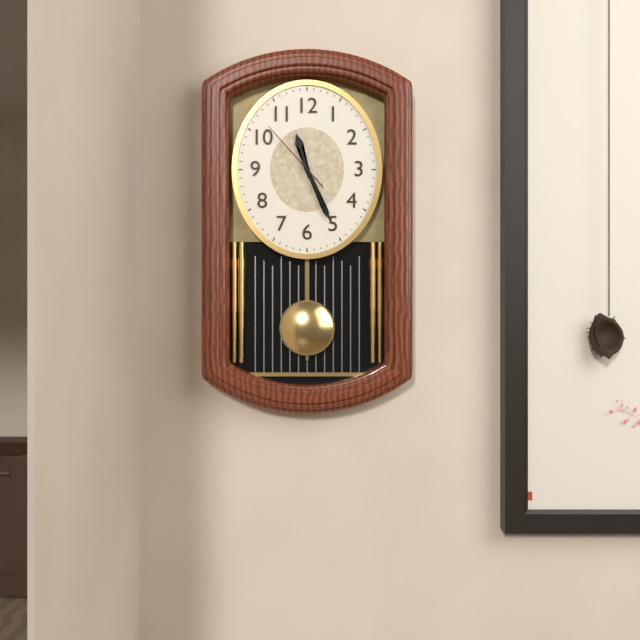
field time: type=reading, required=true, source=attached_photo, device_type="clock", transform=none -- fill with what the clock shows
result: 11:26:53
